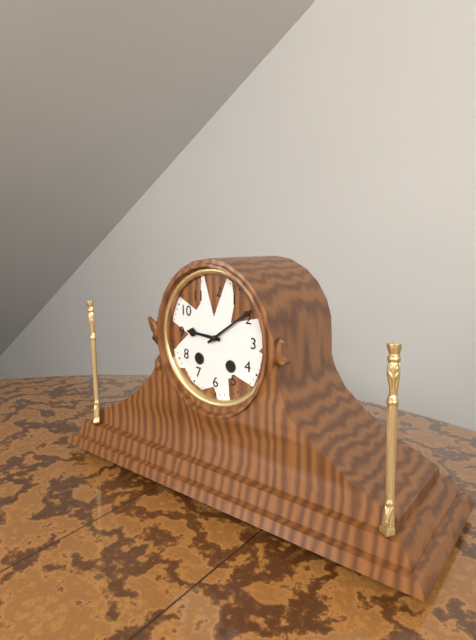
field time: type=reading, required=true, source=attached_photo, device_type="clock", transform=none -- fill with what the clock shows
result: 9:09
